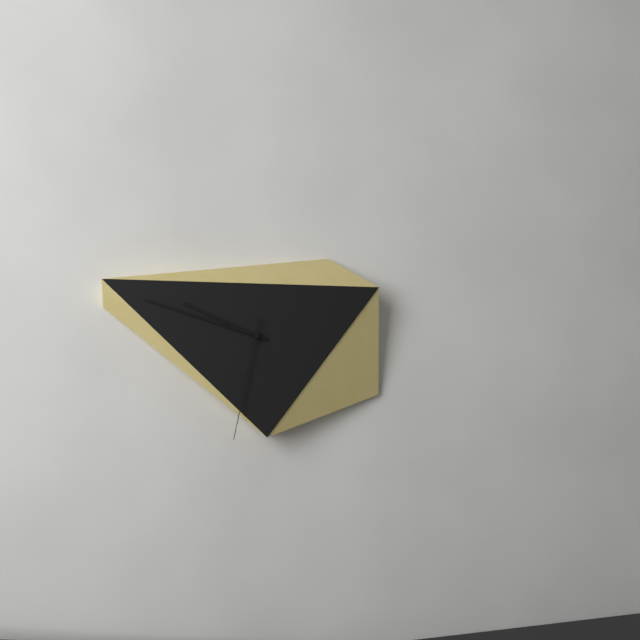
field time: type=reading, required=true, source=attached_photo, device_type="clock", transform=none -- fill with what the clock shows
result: 9:48:32
